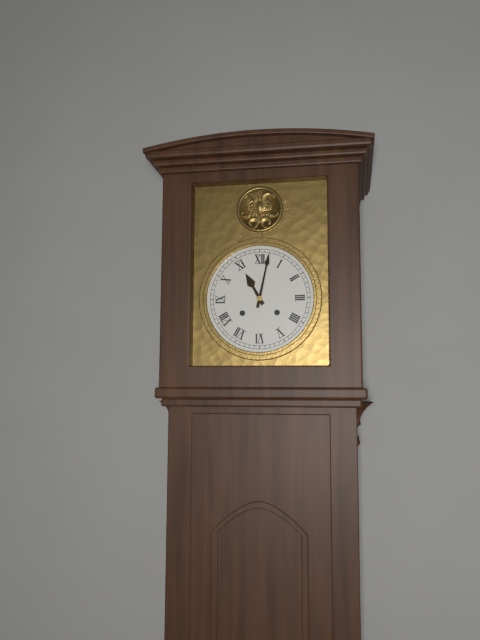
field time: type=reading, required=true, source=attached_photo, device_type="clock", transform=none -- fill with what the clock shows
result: 11:02
